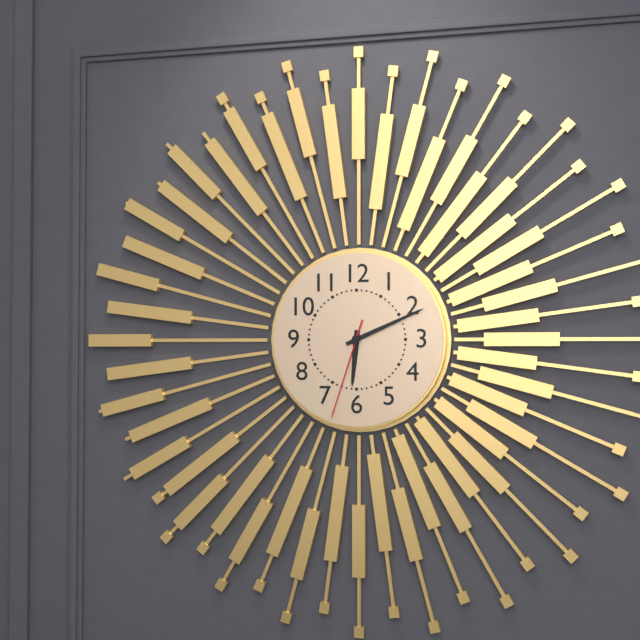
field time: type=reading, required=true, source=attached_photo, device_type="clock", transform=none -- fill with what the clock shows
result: 6:11:33
